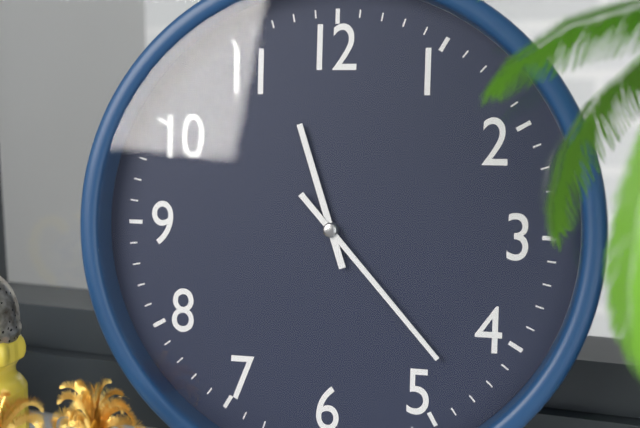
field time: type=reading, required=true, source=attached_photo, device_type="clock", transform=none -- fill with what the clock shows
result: 11:23
